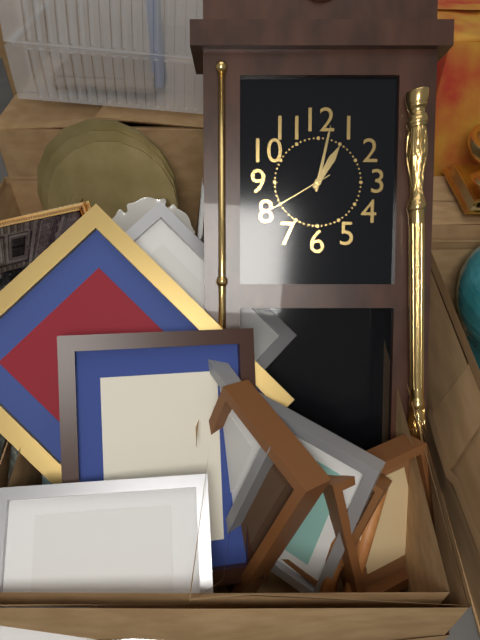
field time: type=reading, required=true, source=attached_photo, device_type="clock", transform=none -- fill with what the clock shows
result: 1:02:40
